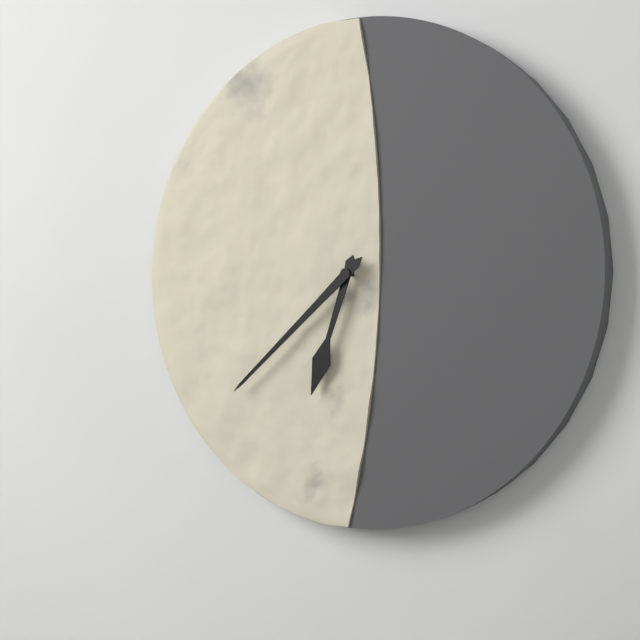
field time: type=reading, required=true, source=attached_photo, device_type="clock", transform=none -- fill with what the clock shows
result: 6:38
